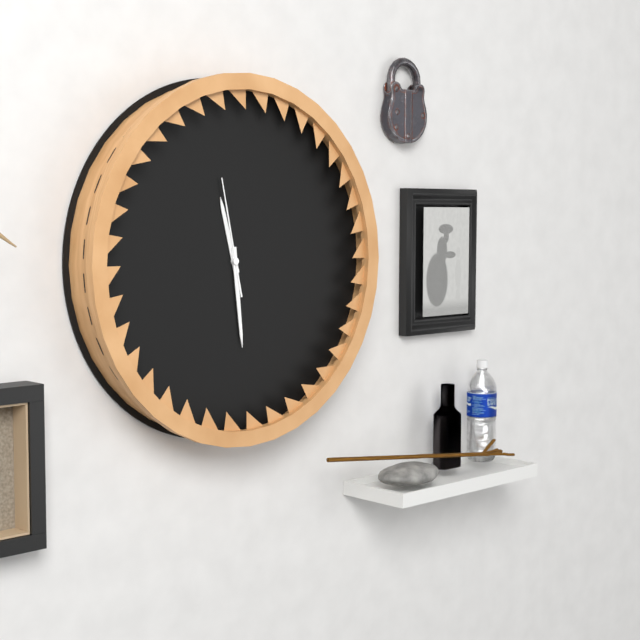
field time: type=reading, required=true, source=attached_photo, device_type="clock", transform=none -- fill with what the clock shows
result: 11:29:58
